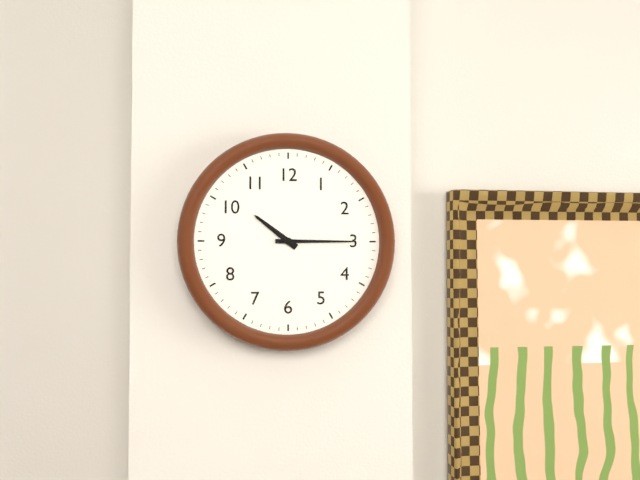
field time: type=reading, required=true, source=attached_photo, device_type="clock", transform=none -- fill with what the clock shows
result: 10:15
